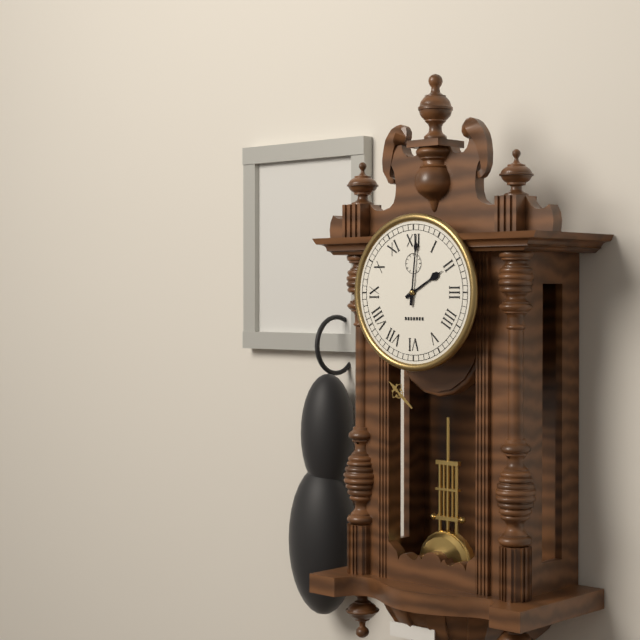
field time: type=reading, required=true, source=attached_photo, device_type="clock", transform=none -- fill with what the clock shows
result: 2:01
